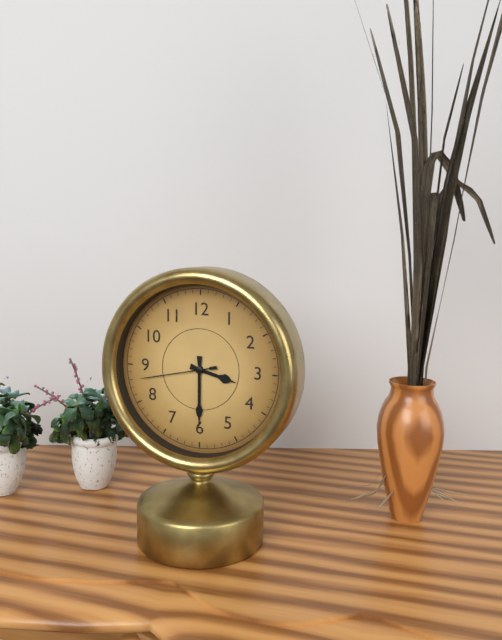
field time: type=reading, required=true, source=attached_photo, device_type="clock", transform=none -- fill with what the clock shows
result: 3:30:43
